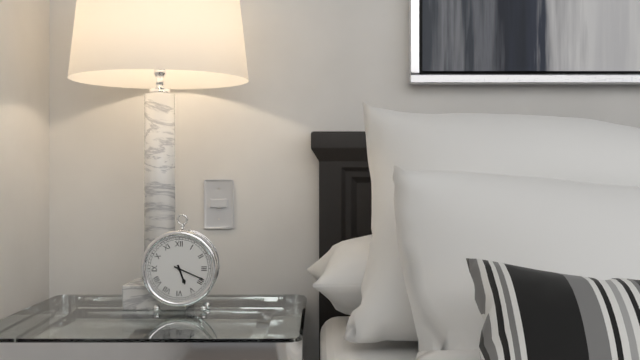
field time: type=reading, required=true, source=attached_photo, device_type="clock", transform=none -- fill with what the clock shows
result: 5:19
